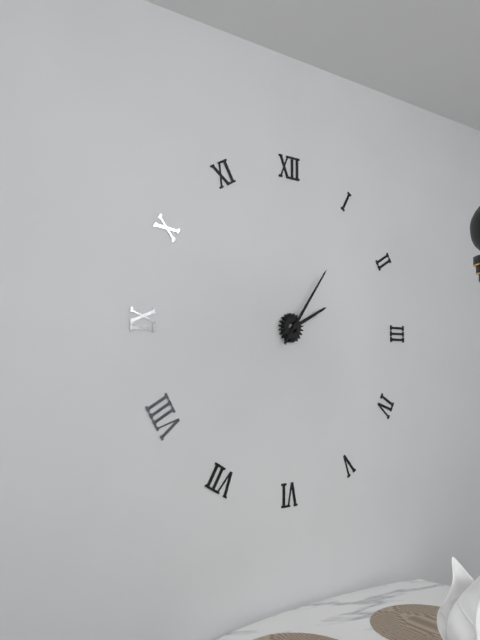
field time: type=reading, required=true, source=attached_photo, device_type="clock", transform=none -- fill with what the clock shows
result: 2:06
